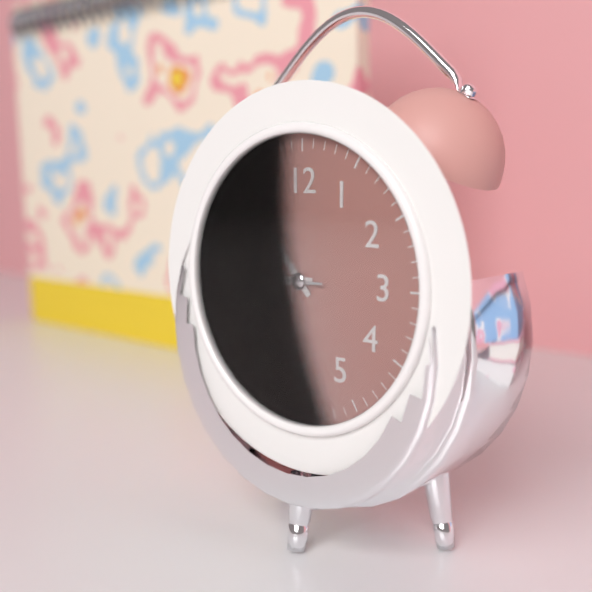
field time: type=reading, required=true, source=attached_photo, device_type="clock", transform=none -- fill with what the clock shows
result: 8:53:45
